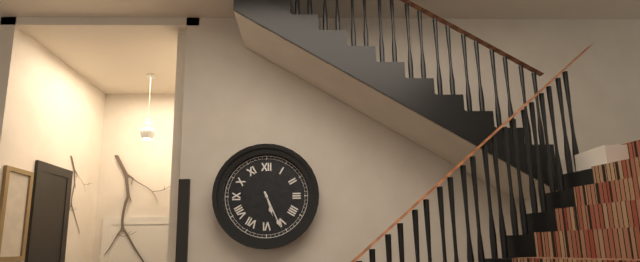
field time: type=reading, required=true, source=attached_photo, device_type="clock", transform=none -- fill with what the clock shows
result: 5:26
